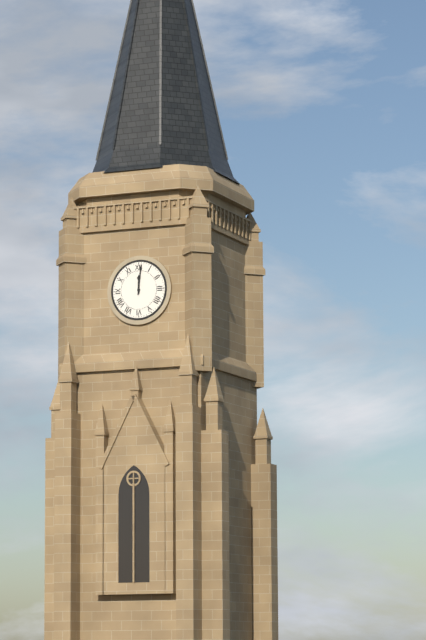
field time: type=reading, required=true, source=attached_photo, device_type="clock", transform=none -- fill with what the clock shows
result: 12:01
